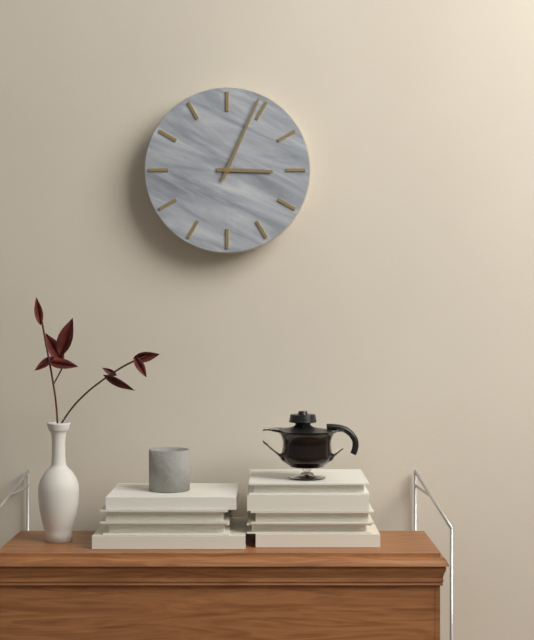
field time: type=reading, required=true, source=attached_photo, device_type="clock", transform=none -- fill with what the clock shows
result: 3:04
